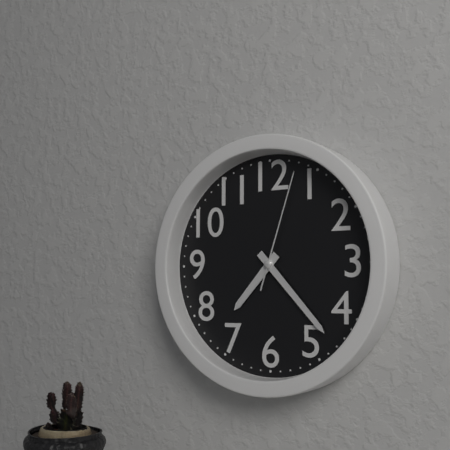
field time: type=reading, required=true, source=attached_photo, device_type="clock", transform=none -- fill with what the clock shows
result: 7:23:03
